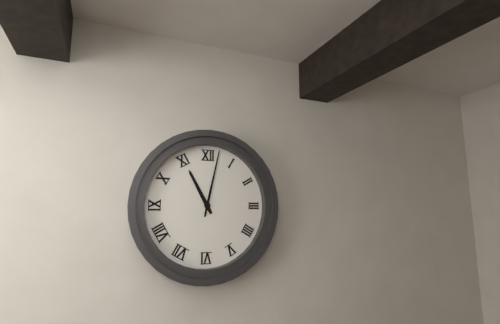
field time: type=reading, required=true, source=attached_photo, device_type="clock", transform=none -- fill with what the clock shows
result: 11:02
